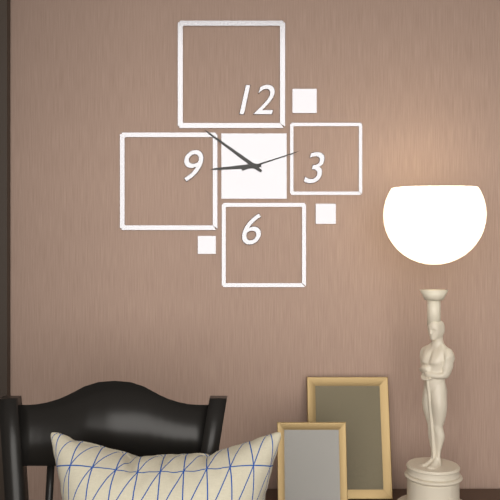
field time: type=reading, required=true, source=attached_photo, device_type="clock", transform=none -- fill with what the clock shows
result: 8:51:12
